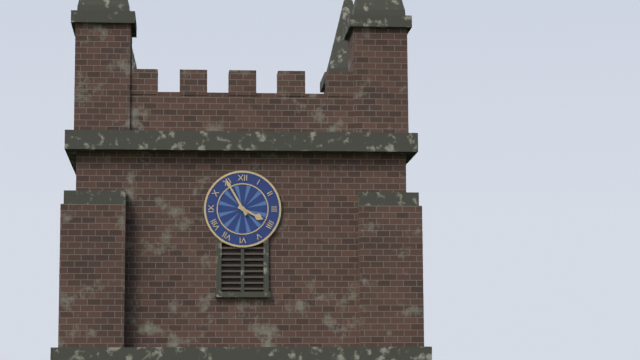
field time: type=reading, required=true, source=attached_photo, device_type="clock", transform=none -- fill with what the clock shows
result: 3:55
